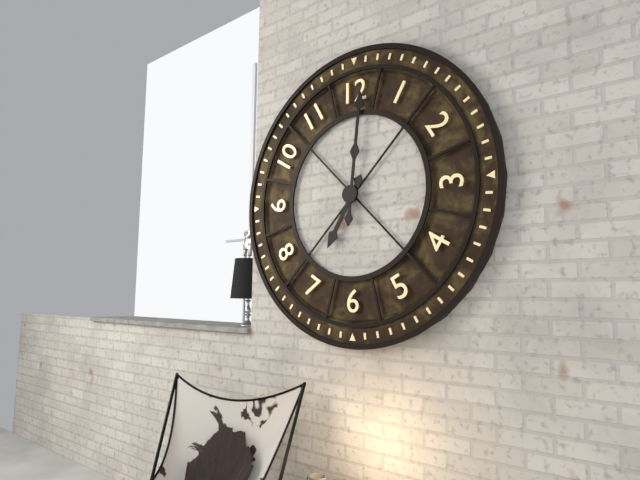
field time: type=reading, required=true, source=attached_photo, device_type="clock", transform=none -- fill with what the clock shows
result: 7:01
